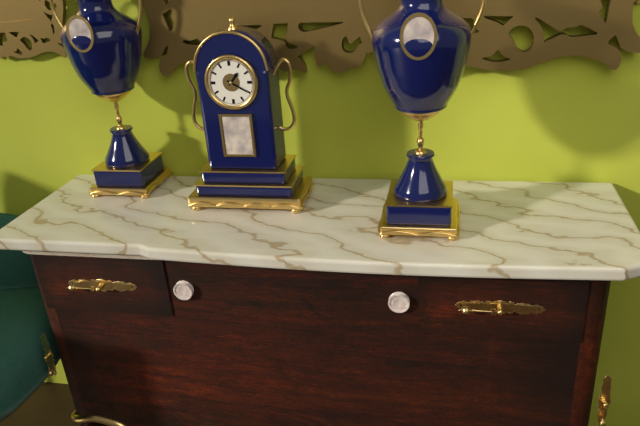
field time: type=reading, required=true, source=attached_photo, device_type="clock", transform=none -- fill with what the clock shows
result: 1:20
